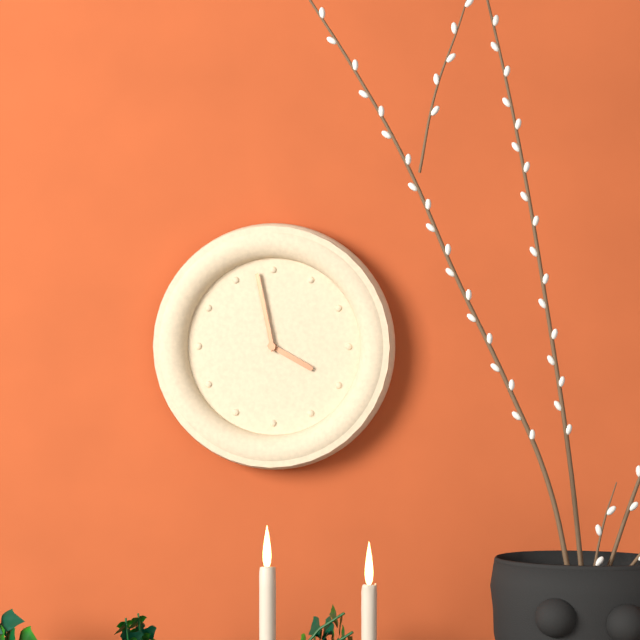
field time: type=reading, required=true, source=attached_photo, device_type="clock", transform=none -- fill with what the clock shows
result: 3:58
